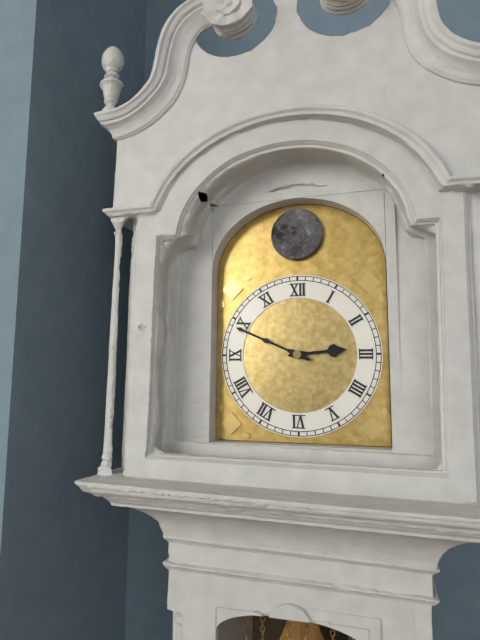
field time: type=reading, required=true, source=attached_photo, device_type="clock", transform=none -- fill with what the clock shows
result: 2:49
